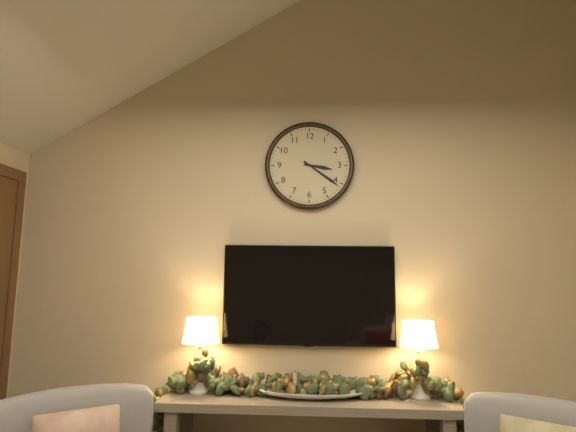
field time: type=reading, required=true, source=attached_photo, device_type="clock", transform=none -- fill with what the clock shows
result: 3:21
